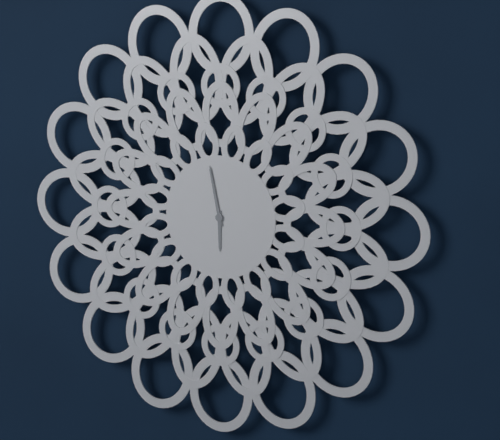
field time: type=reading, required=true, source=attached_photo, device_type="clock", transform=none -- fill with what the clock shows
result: 5:58
